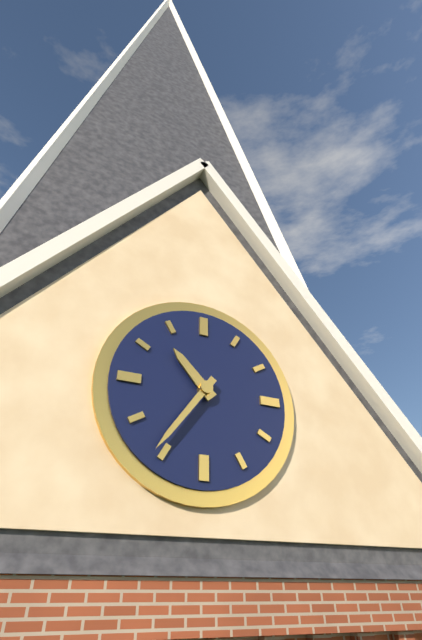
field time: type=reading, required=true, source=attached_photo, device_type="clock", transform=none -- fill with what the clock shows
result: 10:36
